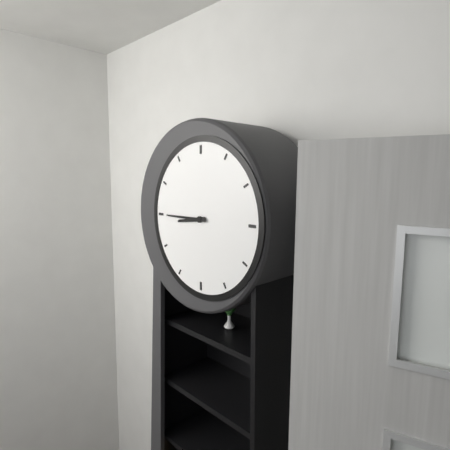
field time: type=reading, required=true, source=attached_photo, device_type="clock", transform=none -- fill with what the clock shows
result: 8:45
